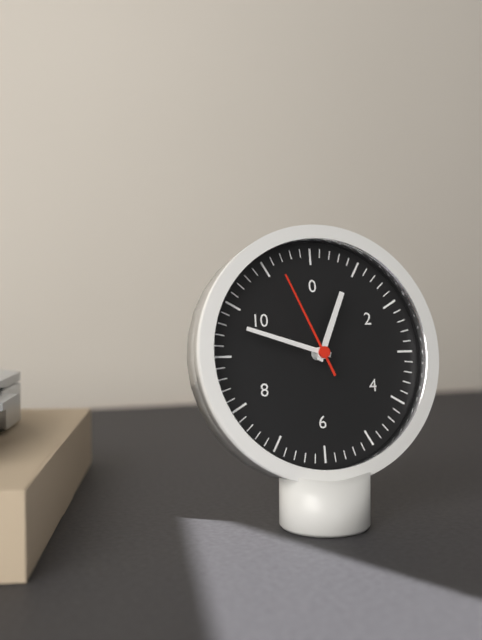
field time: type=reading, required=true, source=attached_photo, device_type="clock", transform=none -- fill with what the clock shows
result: 12:48:56
